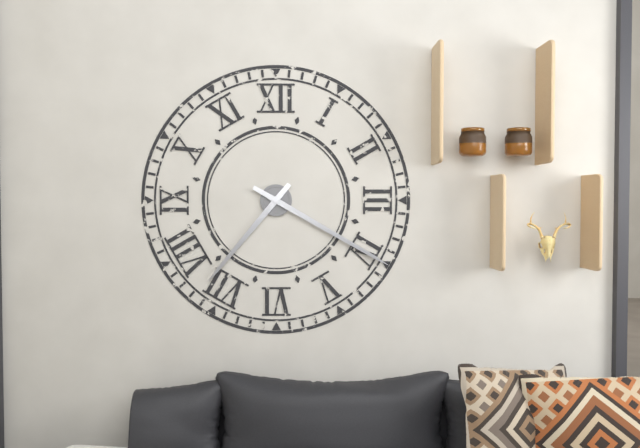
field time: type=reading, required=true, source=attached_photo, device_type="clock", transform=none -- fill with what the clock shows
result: 7:20
